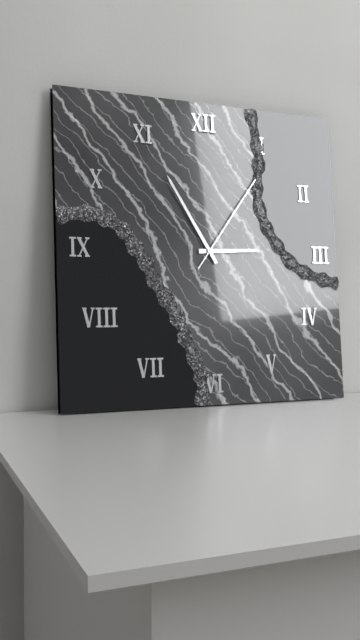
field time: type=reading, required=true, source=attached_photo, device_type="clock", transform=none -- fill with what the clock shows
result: 2:55:06
